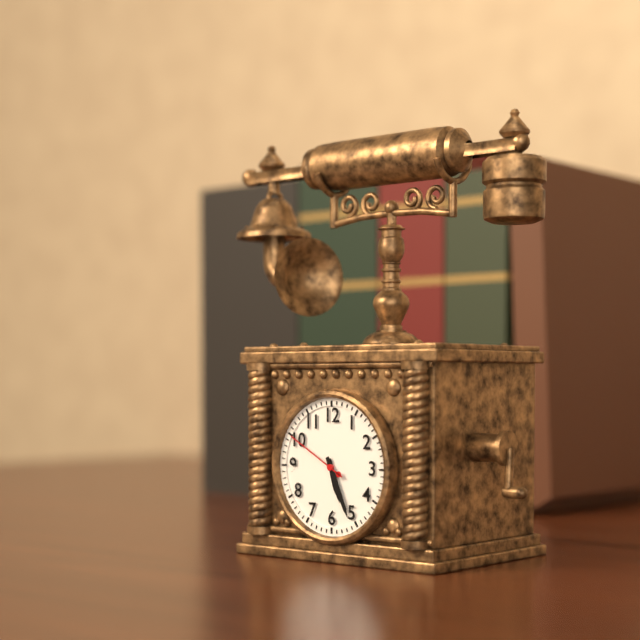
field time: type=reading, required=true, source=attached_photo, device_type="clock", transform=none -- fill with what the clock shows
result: 5:26:50
